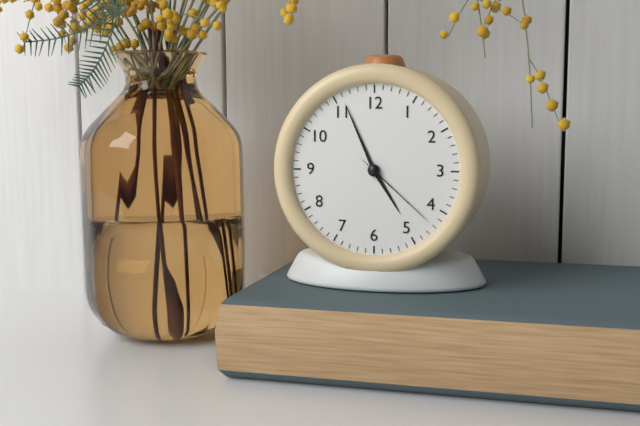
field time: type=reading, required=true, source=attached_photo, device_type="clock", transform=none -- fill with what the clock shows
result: 4:56:22
